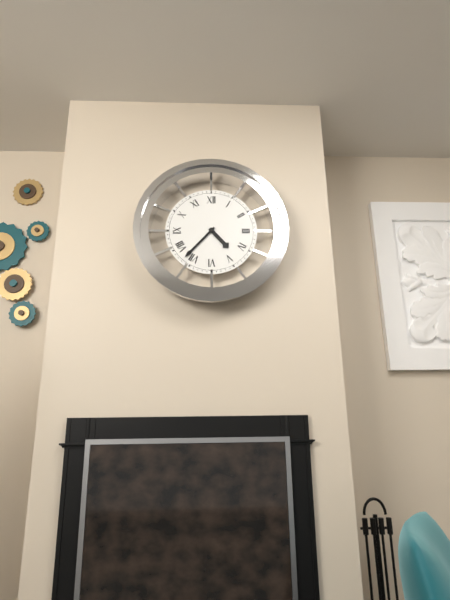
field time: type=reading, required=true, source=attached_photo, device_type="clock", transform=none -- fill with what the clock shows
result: 4:37
